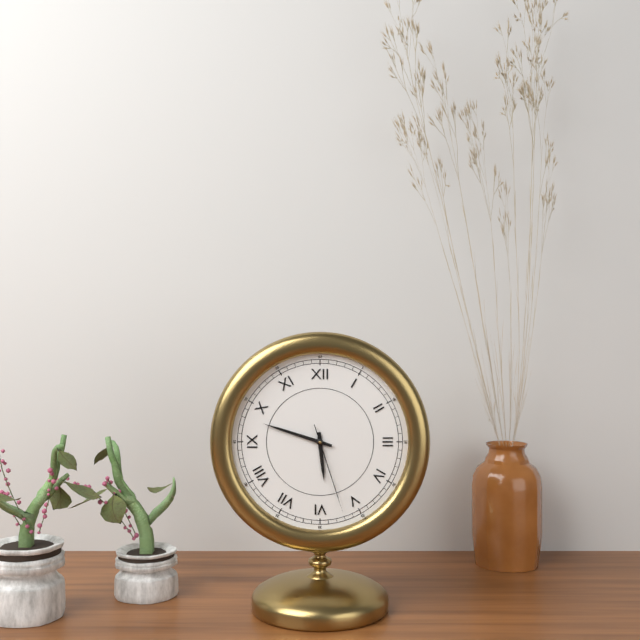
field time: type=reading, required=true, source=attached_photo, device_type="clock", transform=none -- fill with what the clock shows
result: 5:48:27
